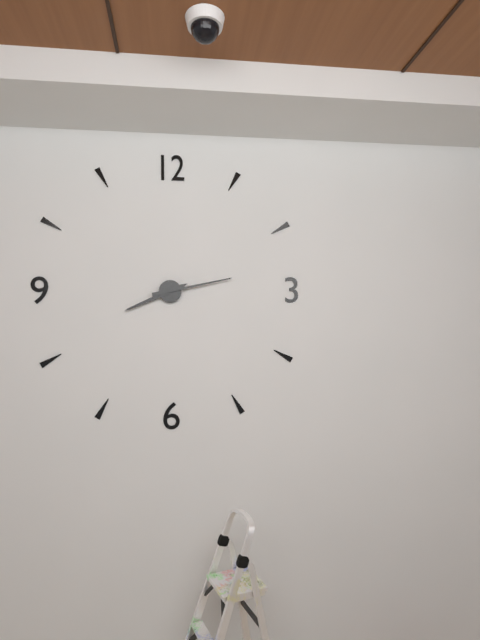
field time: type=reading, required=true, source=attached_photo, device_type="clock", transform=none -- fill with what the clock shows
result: 8:13
